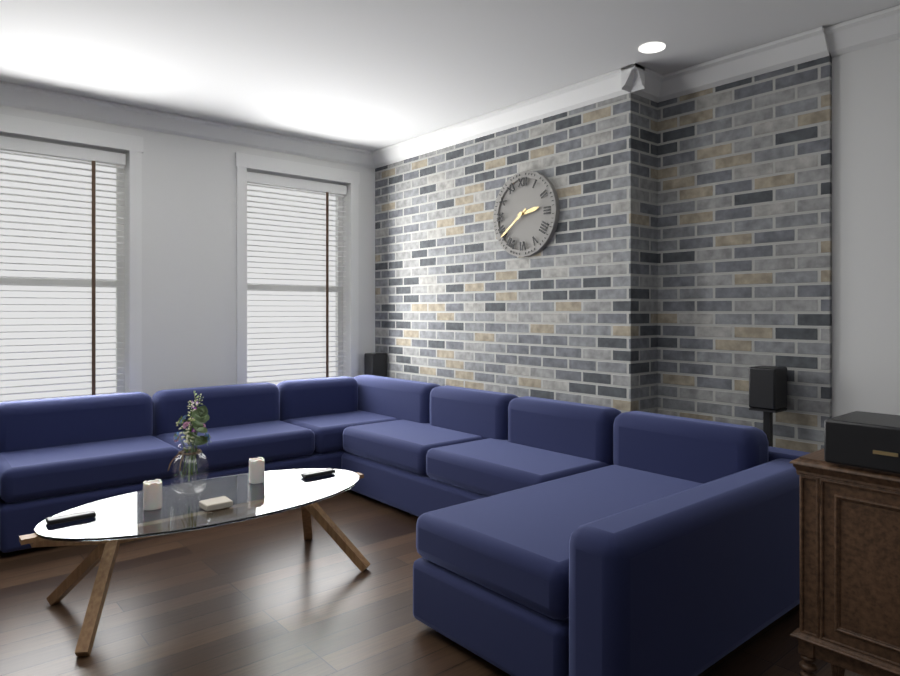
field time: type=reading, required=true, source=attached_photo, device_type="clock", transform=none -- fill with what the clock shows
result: 2:39
